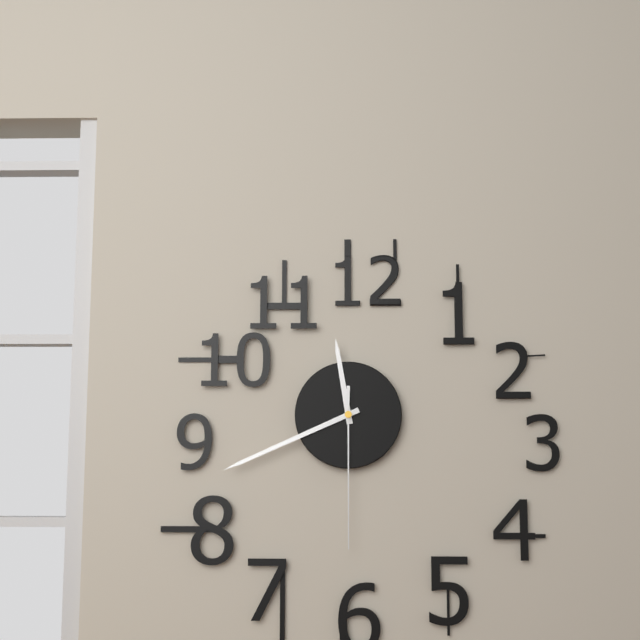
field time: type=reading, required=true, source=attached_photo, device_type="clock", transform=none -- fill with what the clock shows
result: 11:41:30
